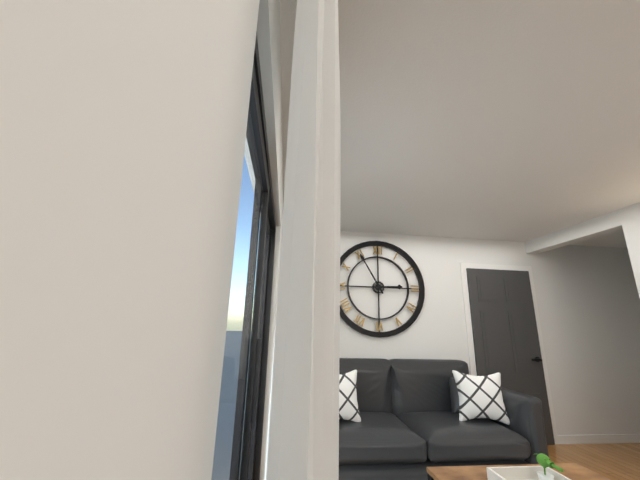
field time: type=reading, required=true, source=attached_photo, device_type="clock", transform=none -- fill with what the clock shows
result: 2:55
